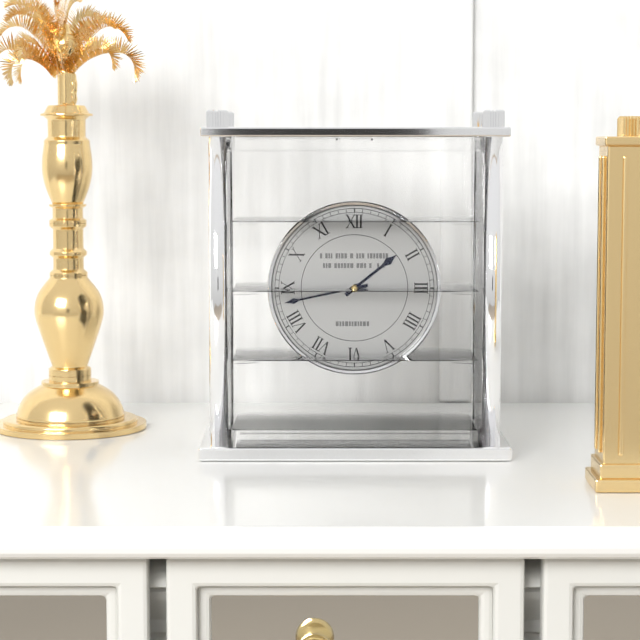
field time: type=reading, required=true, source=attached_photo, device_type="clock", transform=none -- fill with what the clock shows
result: 1:43
